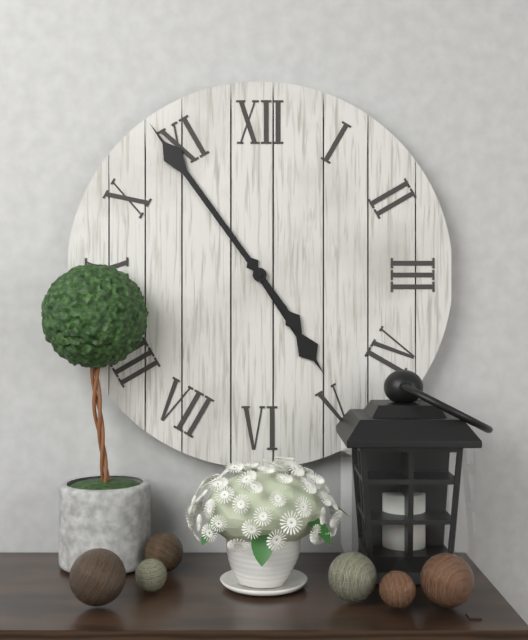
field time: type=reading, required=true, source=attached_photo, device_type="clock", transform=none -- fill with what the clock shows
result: 4:54
